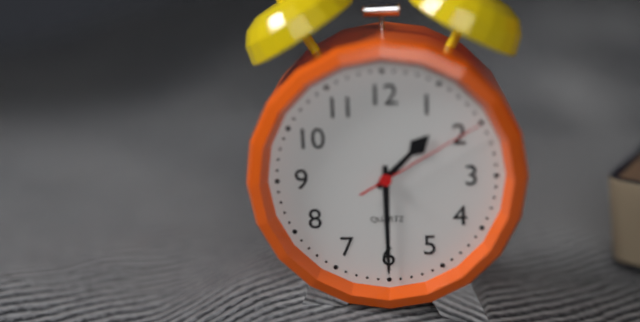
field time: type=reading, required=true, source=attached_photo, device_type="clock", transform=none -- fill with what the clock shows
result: 1:30:10
